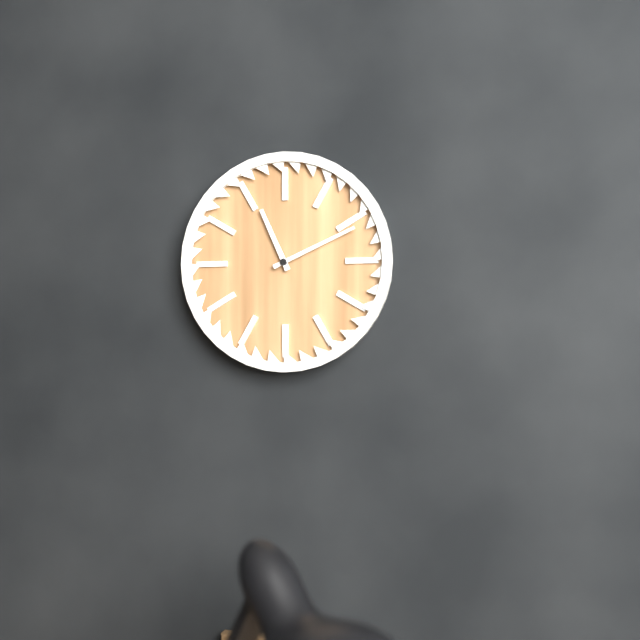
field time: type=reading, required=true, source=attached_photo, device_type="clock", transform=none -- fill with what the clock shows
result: 11:11
